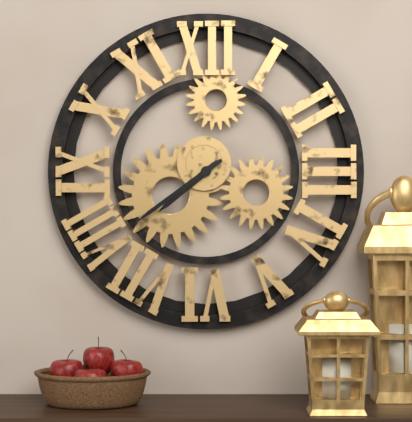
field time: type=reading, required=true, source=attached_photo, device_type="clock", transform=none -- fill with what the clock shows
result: 7:39
